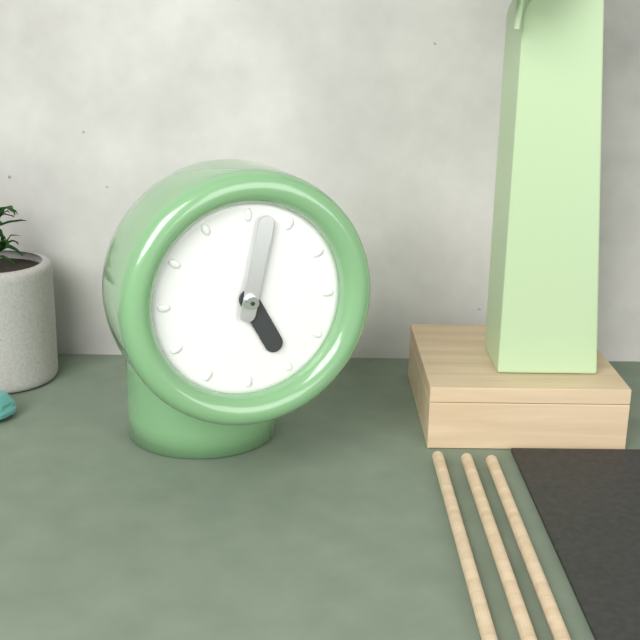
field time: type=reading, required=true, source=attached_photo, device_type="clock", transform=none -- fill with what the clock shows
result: 5:02
